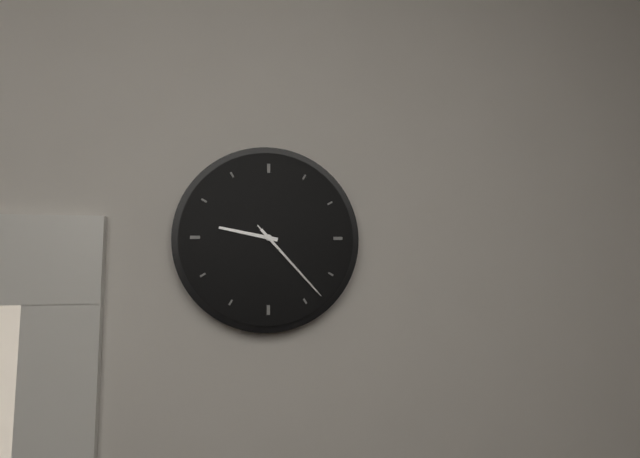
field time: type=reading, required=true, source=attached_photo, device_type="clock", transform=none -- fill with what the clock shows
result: 9:23:23
